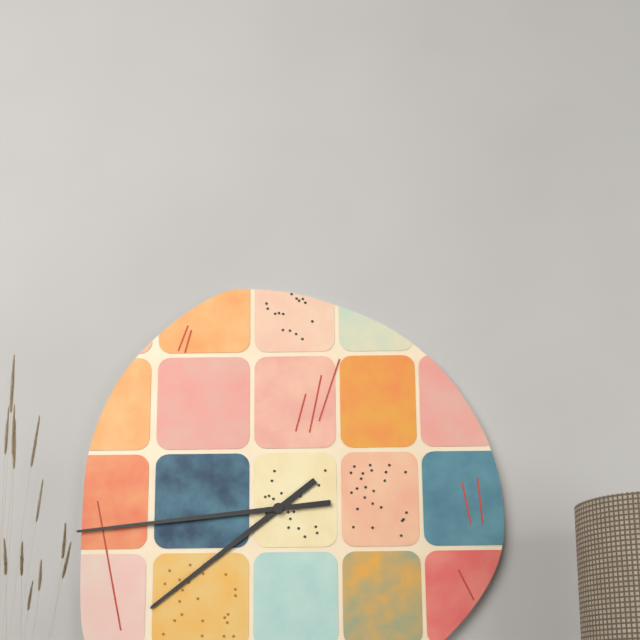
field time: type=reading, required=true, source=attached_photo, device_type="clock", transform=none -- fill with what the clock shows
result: 7:44
